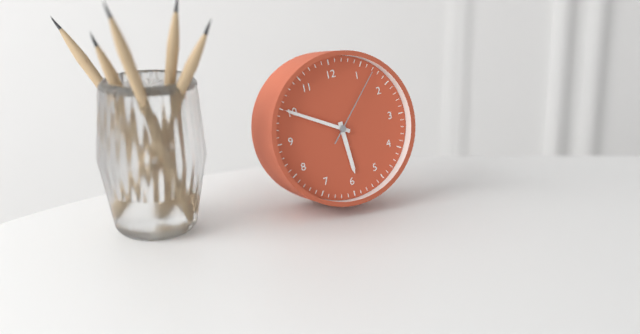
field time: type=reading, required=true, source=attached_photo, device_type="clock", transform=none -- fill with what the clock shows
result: 5:50:07
